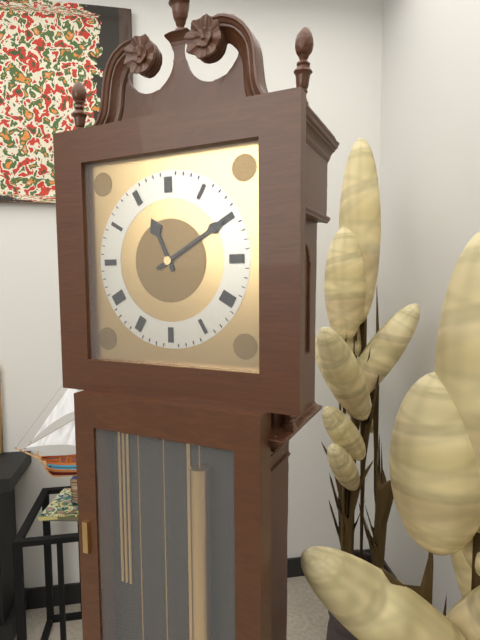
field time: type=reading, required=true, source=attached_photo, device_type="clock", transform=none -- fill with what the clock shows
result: 11:10
